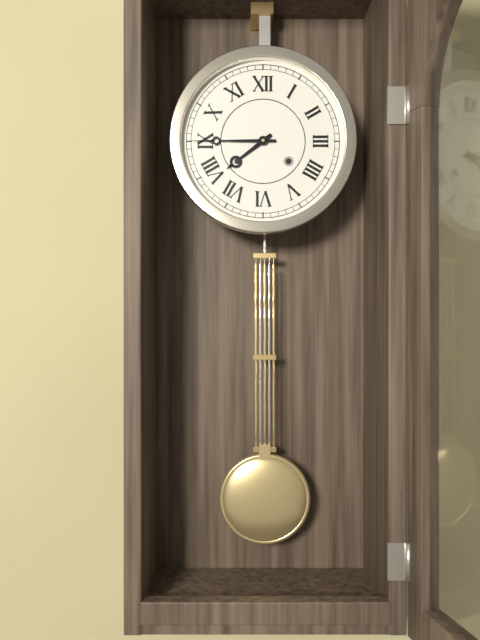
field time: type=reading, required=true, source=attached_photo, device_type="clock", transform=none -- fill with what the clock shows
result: 7:45
